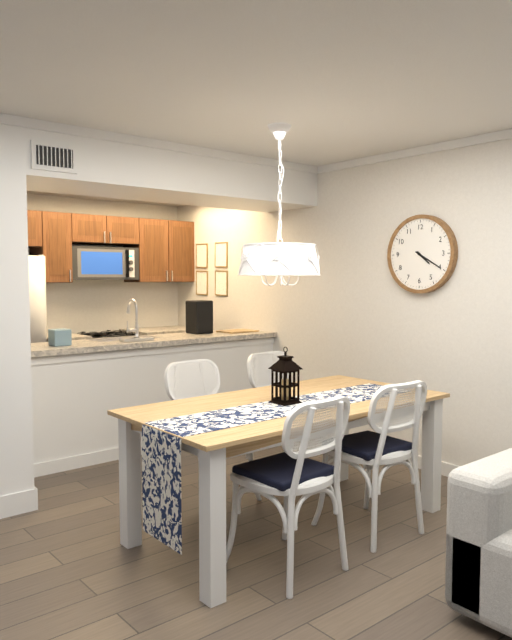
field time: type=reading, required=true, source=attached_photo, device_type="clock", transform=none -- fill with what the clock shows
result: 4:20
